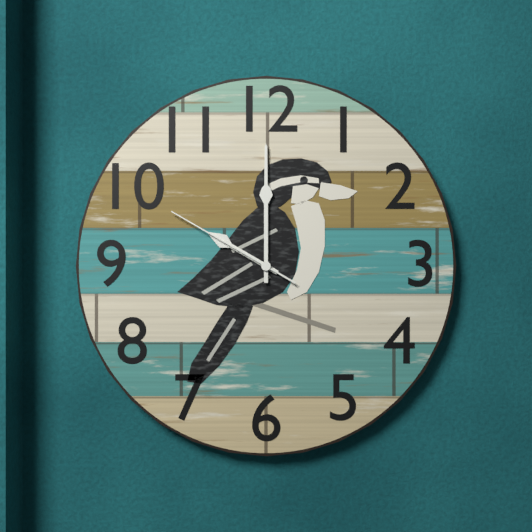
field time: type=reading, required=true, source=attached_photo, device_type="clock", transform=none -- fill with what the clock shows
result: 10:00:50
